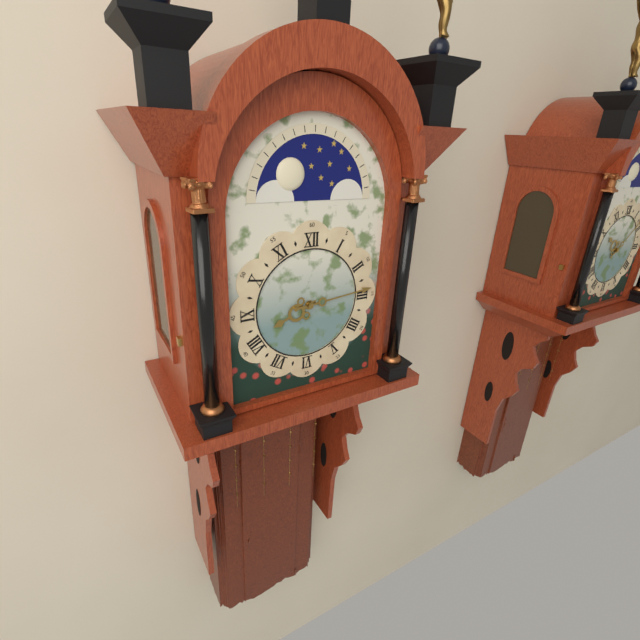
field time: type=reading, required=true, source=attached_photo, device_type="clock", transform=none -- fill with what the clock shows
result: 8:14
